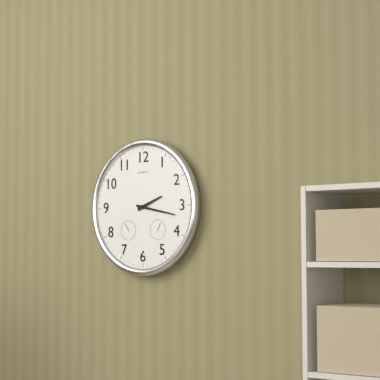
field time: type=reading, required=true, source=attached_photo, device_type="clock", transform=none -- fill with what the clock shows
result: 2:17
